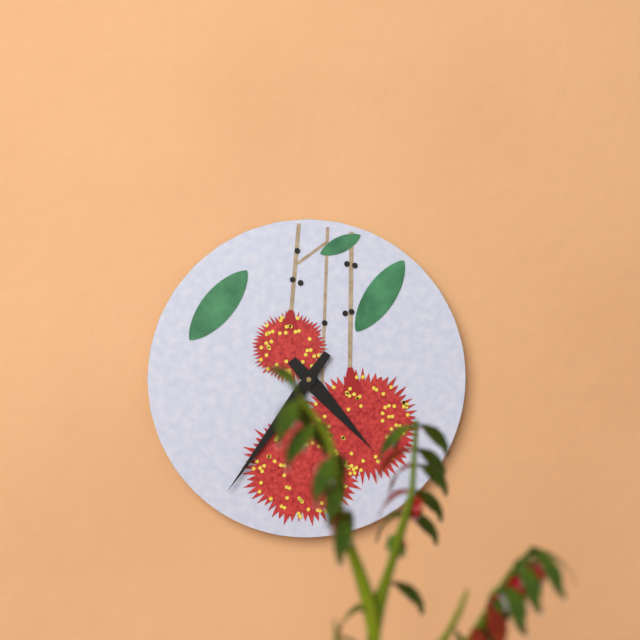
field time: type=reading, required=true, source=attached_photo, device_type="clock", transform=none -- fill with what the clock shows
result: 4:36
